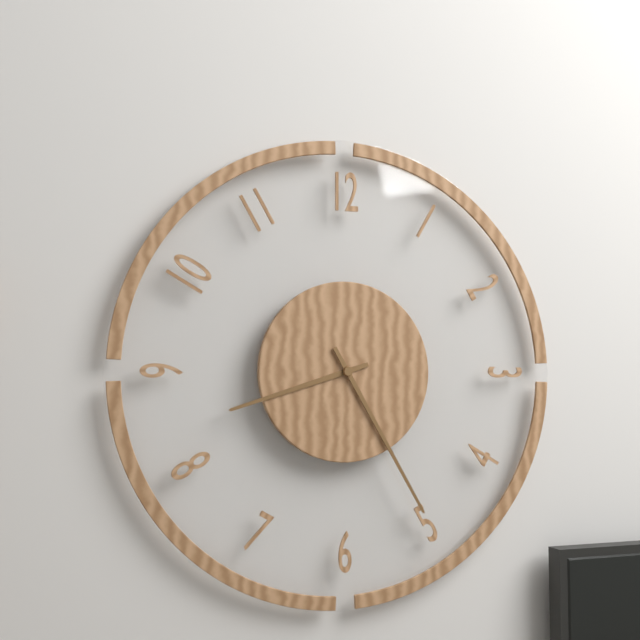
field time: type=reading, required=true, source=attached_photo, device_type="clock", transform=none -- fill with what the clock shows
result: 8:25
